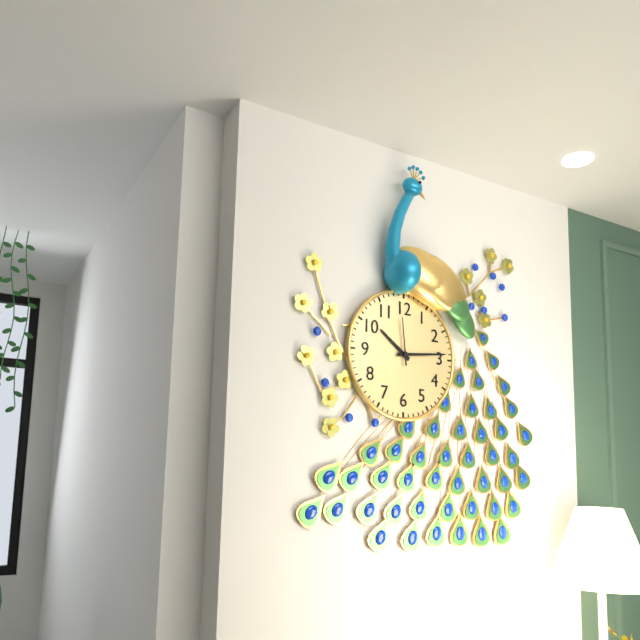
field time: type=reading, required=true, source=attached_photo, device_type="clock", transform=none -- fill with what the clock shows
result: 10:14
